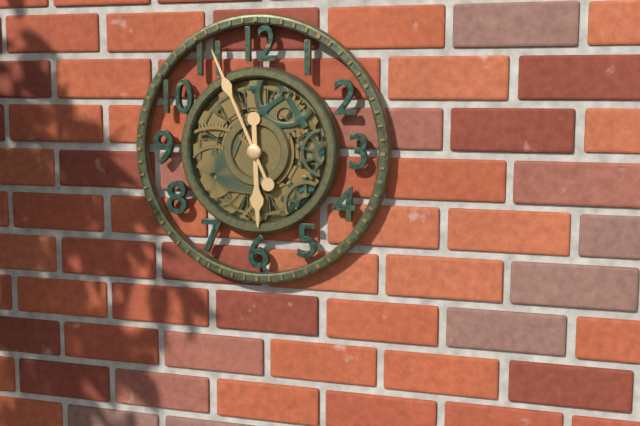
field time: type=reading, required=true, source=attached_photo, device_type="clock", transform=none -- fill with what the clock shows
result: 5:56
